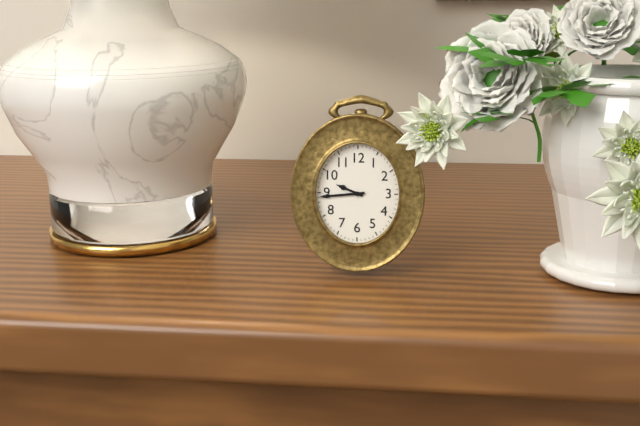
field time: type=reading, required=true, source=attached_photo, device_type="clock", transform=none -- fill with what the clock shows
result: 9:44
